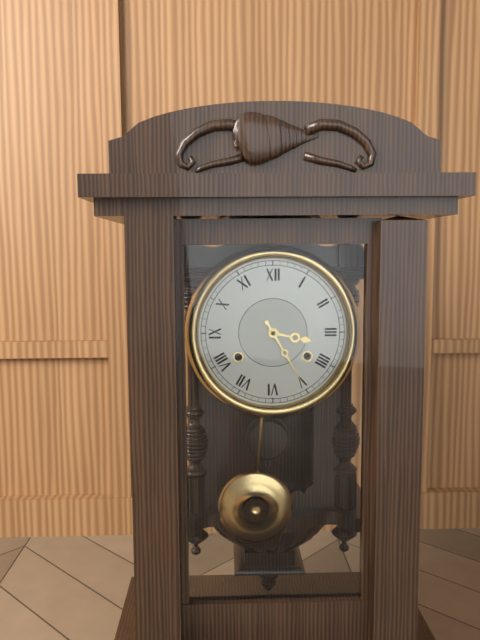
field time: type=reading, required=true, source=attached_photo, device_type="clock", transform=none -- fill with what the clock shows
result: 3:25
